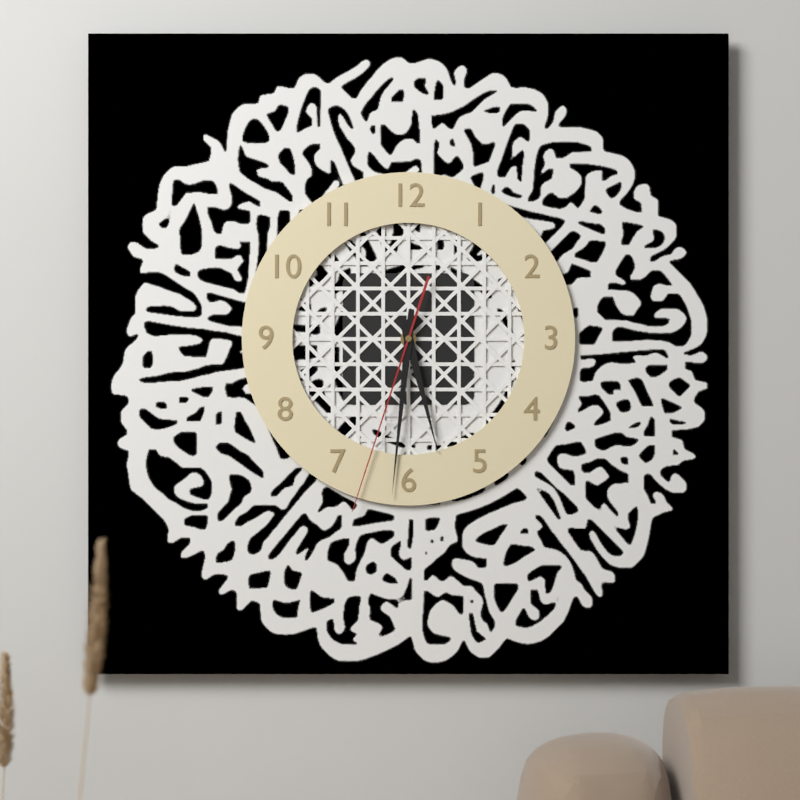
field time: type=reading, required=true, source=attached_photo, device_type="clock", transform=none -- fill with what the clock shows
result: 5:31:33
